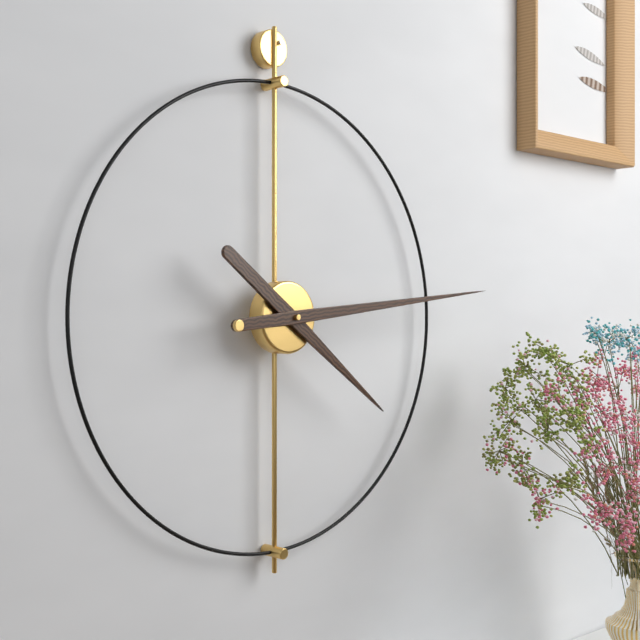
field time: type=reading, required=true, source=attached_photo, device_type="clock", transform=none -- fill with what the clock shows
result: 4:14
